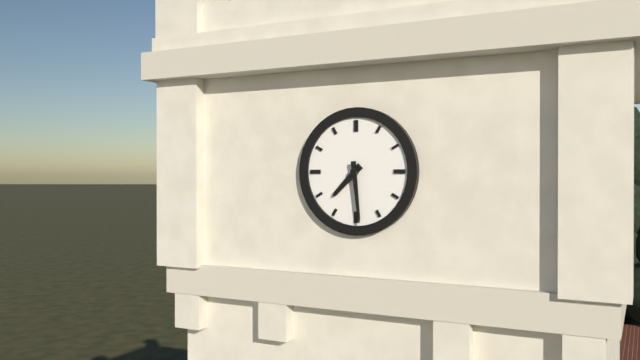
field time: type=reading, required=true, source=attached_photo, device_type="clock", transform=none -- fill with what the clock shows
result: 7:29
